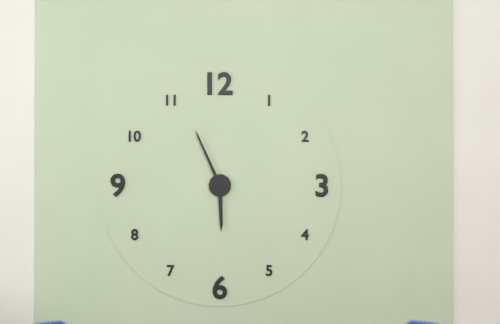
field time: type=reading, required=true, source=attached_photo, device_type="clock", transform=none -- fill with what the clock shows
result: 5:56
